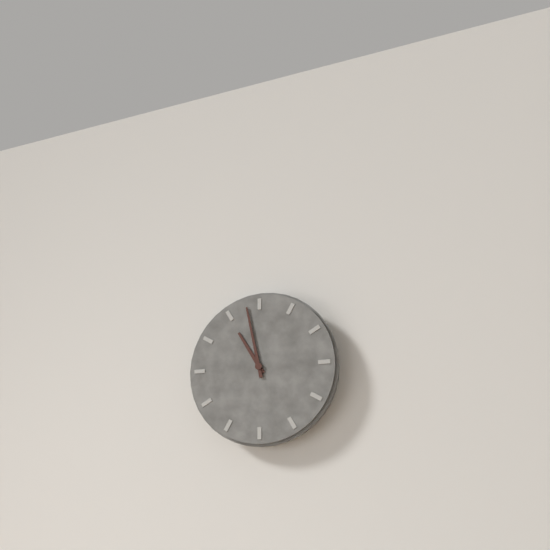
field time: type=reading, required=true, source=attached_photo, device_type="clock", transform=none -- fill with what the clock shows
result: 10:58
